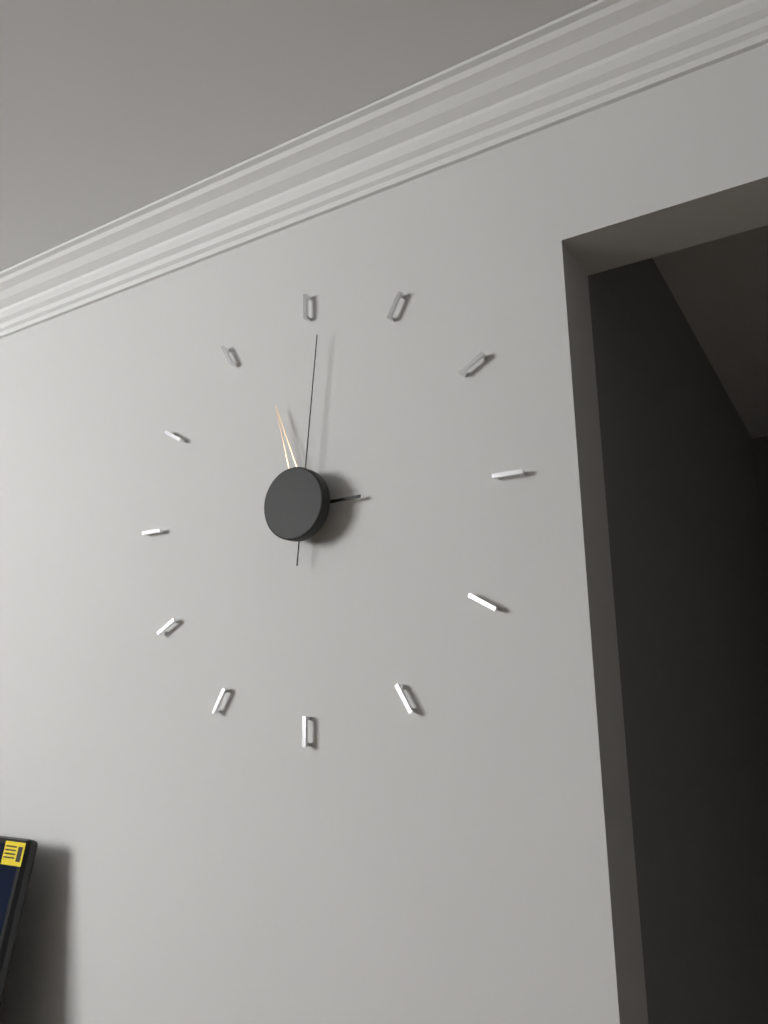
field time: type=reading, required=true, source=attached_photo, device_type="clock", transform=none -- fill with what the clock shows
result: 2:57:01
